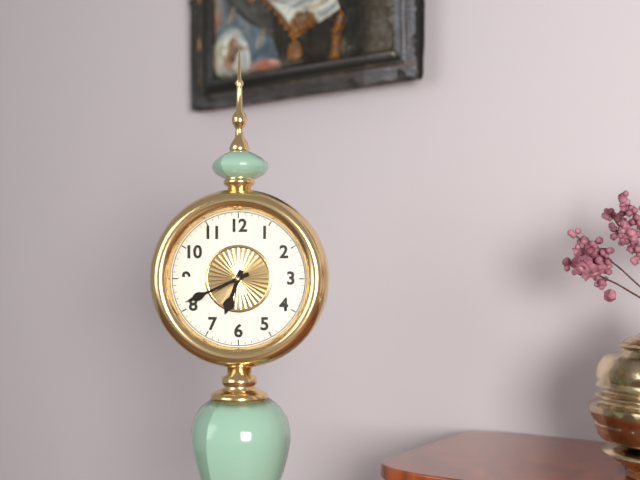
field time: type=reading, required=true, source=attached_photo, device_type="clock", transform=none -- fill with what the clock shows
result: 6:41
